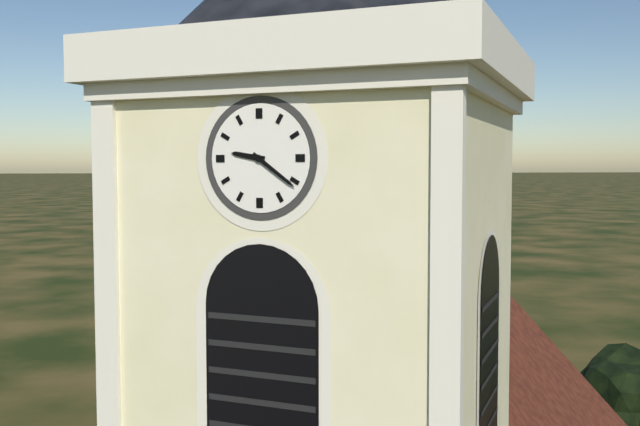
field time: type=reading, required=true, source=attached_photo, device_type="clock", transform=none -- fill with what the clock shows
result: 9:21
